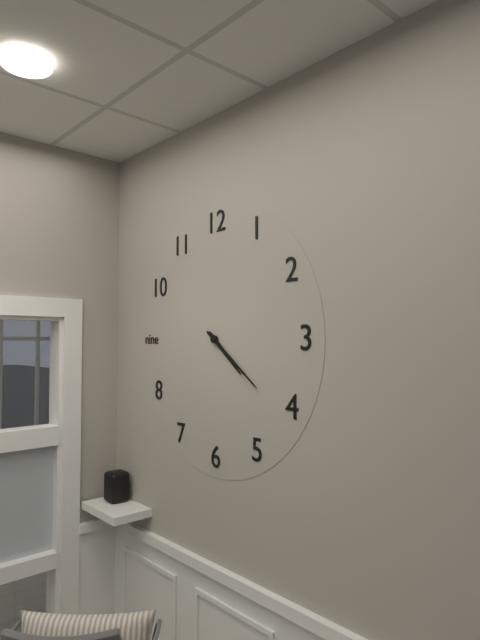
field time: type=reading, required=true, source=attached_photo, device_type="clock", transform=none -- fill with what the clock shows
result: 4:21
